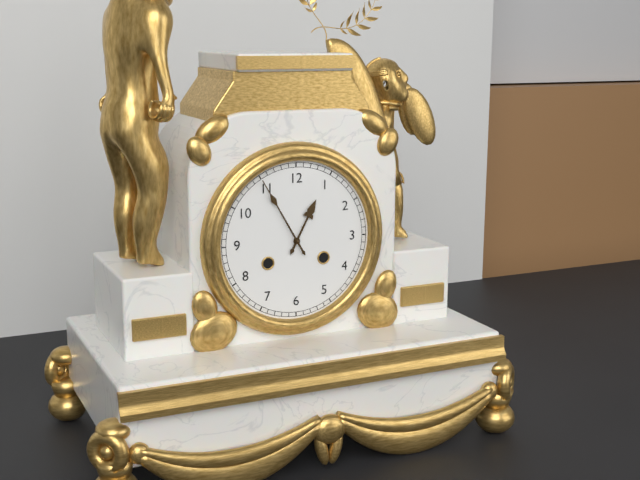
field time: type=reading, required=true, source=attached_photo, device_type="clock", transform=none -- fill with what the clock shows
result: 12:55
